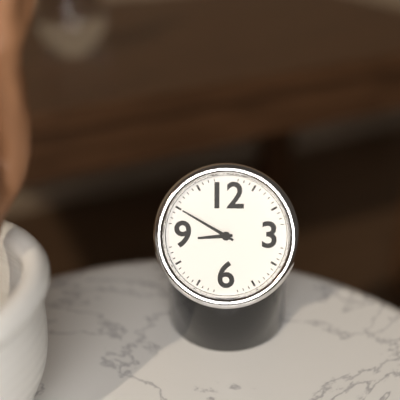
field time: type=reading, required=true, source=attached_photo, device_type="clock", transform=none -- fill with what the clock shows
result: 8:50
